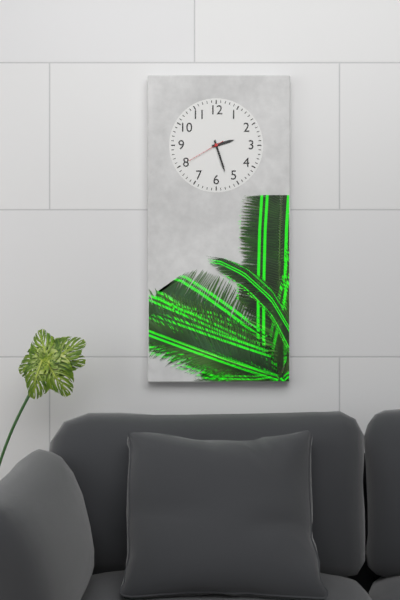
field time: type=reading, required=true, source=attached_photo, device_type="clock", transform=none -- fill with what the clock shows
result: 2:27
